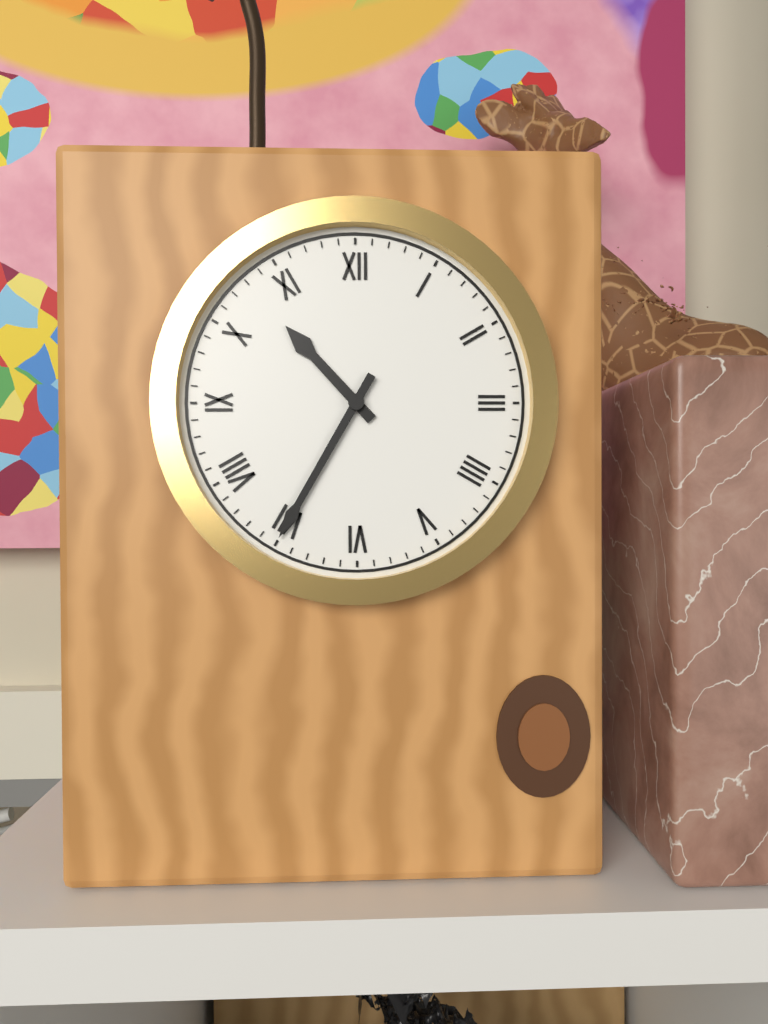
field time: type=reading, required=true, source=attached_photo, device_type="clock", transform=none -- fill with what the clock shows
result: 10:35
